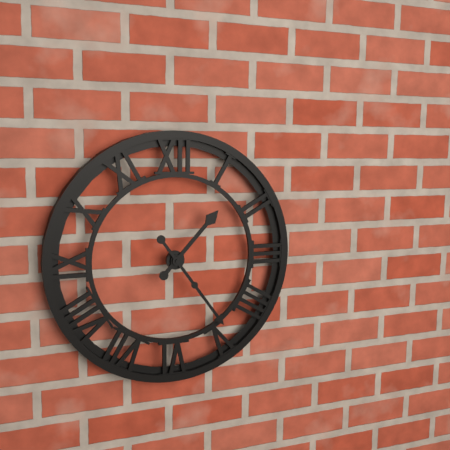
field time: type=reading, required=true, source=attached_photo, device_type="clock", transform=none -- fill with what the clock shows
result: 1:24
